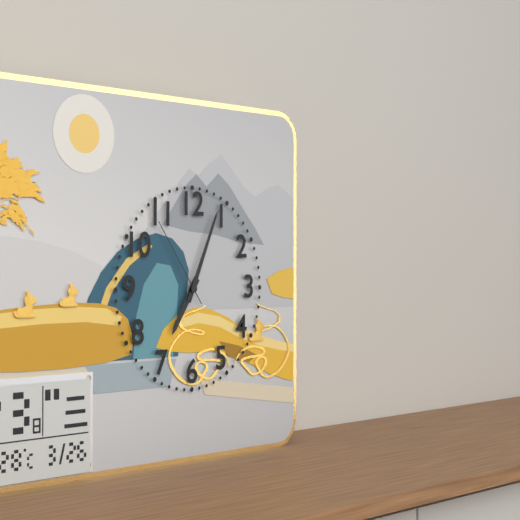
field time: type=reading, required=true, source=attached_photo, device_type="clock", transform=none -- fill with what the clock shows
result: 7:04:54
